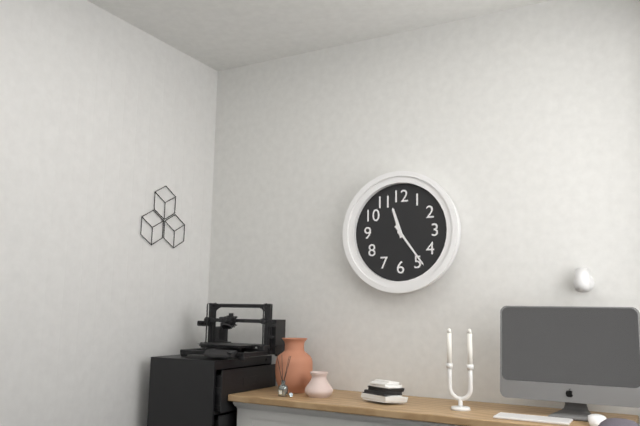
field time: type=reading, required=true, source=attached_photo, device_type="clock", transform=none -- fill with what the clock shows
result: 11:24
